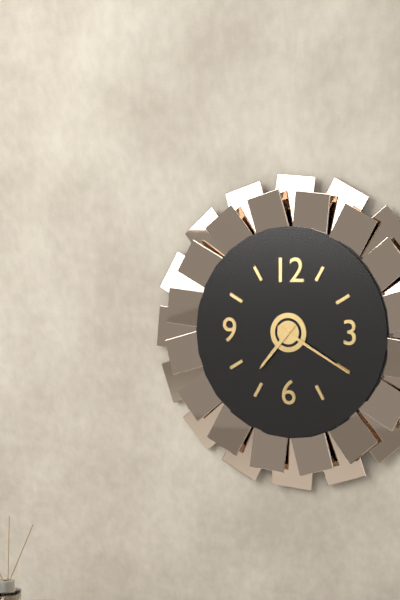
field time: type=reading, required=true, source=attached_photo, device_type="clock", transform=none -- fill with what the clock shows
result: 7:20
